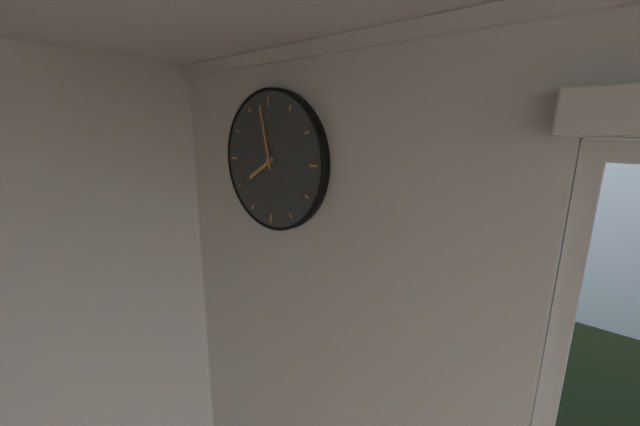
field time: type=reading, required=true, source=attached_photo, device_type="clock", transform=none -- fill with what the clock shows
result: 7:58
